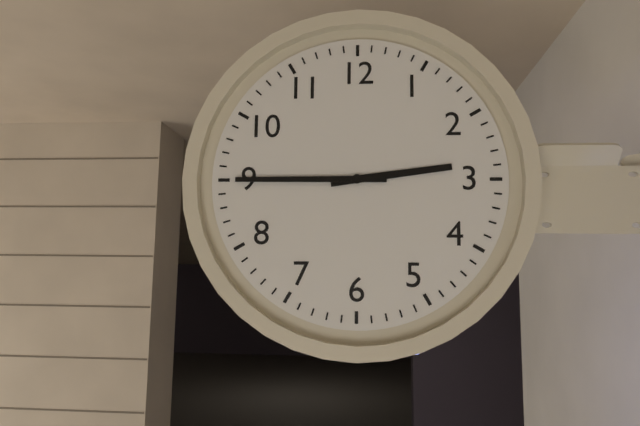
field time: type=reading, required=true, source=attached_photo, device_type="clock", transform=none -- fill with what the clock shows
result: 2:45
